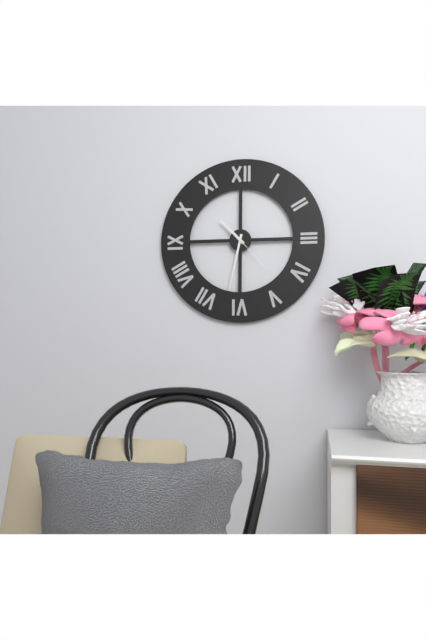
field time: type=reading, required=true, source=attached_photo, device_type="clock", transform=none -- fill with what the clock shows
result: 10:32
